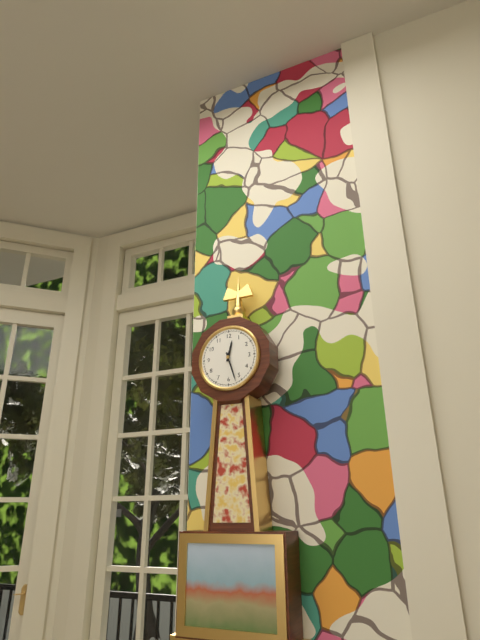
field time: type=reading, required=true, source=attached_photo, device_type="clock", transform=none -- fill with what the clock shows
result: 12:27
